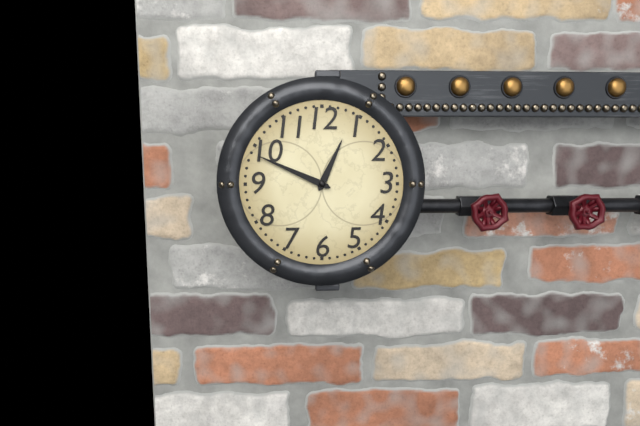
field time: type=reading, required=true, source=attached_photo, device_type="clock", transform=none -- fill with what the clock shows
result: 12:49
